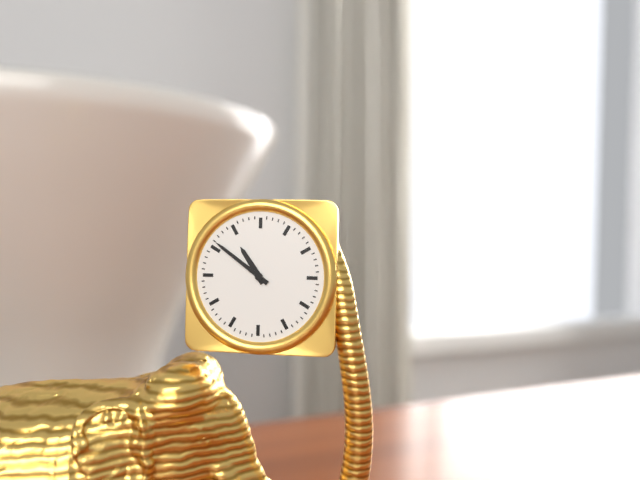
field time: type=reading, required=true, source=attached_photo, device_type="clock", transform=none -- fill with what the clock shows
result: 10:51
